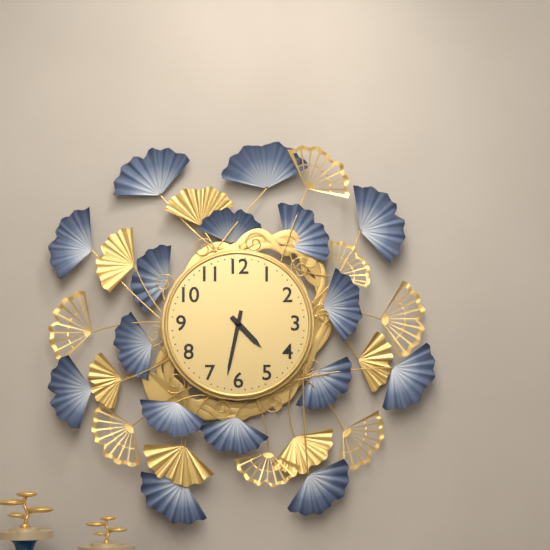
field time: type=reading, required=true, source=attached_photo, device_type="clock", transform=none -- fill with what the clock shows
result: 4:32
